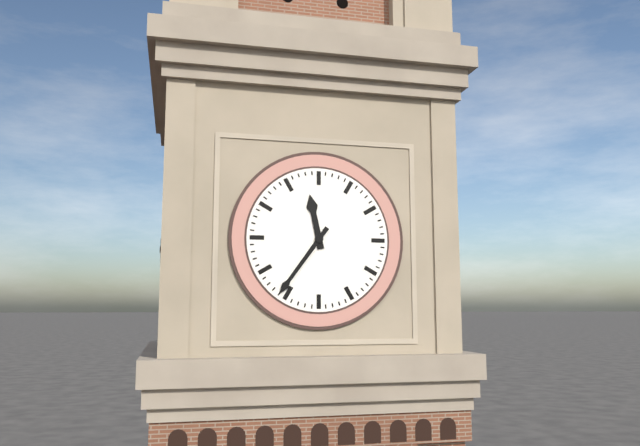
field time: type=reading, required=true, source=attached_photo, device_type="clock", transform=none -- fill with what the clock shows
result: 11:36
